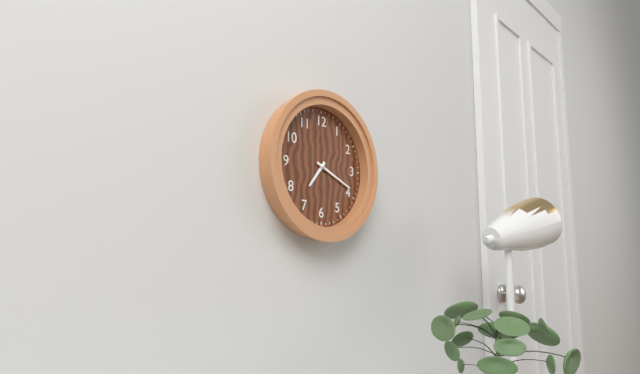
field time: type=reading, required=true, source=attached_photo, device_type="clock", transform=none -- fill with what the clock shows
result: 7:19
